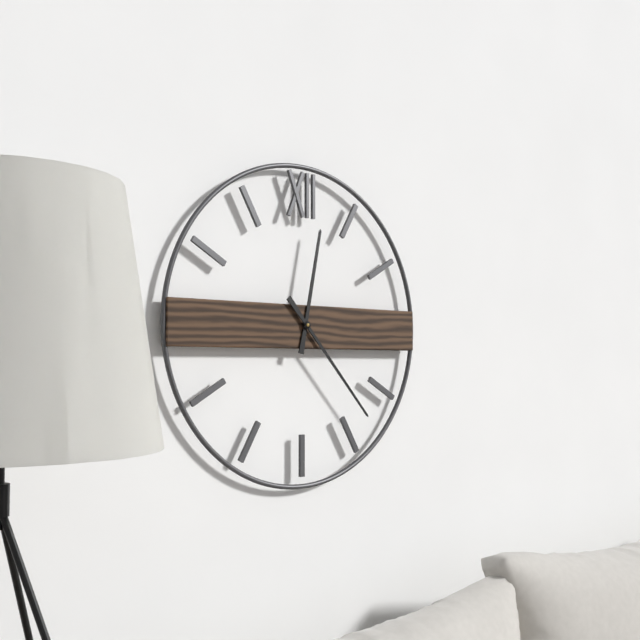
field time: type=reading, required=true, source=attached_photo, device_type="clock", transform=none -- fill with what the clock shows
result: 12:23
